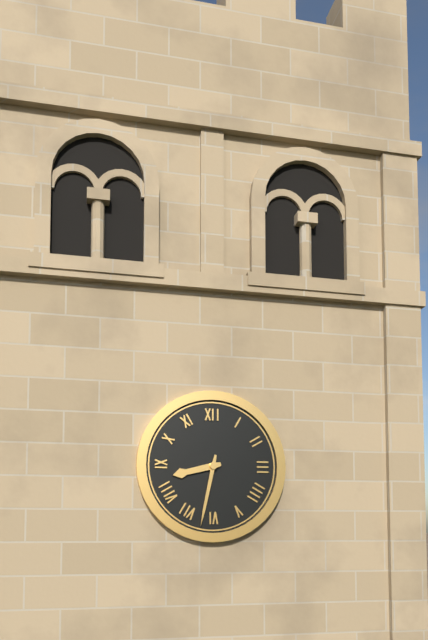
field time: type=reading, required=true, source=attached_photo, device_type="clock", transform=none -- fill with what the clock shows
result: 8:32
